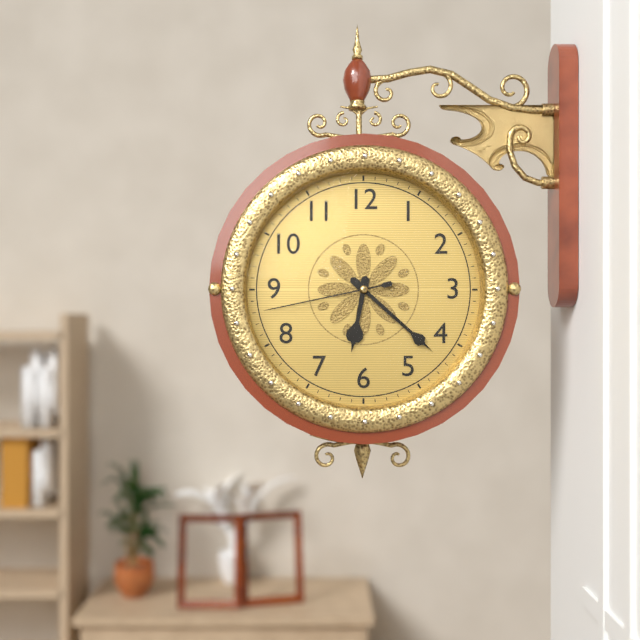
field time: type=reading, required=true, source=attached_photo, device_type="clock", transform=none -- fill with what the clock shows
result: 6:22:43
